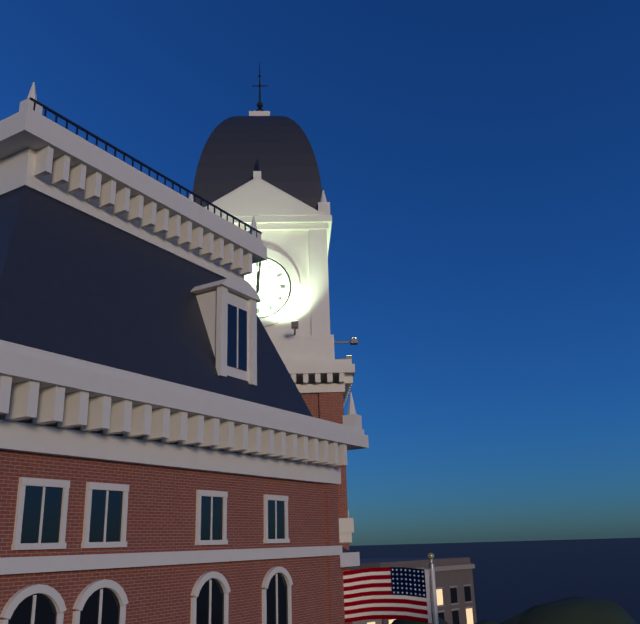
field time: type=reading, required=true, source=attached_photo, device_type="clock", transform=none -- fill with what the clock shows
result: 12:01
